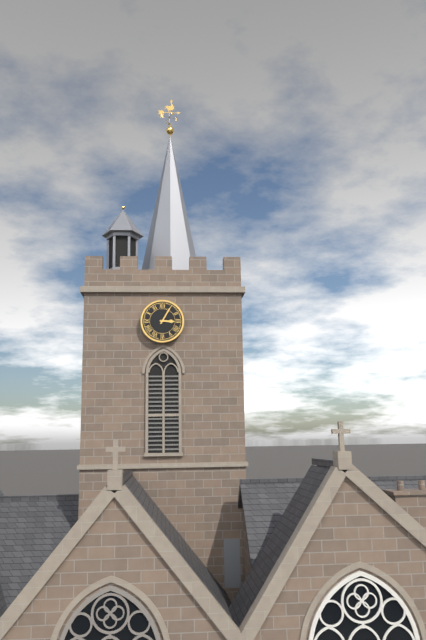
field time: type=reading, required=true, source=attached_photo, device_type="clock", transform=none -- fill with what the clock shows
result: 3:05
